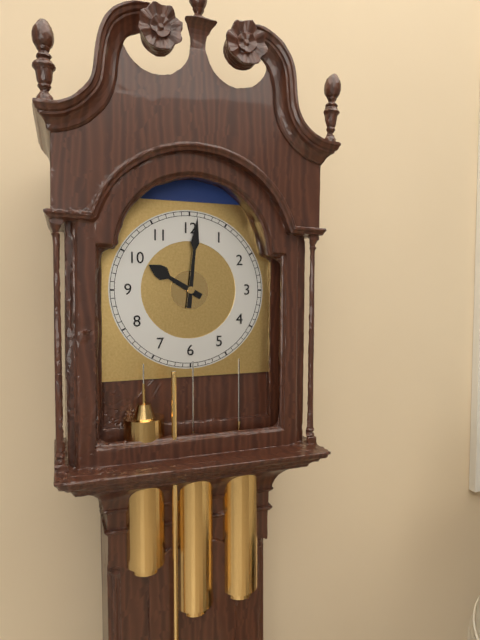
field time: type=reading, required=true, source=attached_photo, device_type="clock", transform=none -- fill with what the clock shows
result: 10:01
